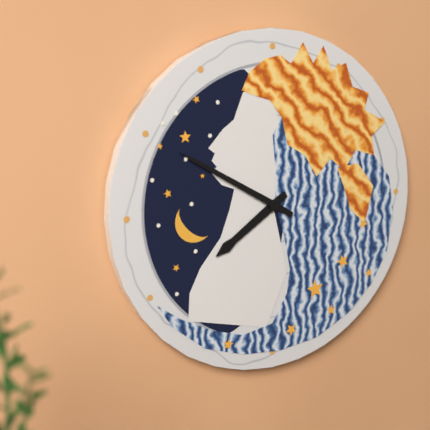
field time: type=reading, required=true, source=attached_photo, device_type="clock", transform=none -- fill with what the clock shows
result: 7:50
